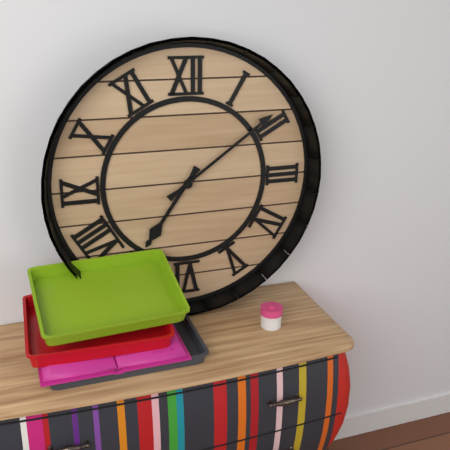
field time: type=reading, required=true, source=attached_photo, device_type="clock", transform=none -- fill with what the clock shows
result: 7:09
